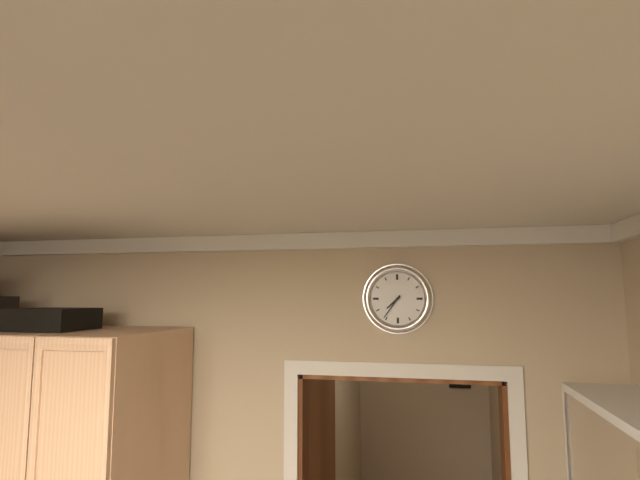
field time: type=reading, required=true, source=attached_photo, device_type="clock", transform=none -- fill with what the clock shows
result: 7:36
